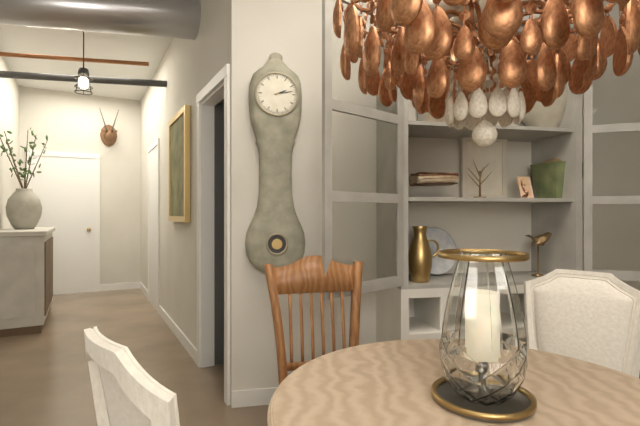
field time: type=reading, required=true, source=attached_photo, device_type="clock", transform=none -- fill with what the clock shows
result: 2:13
